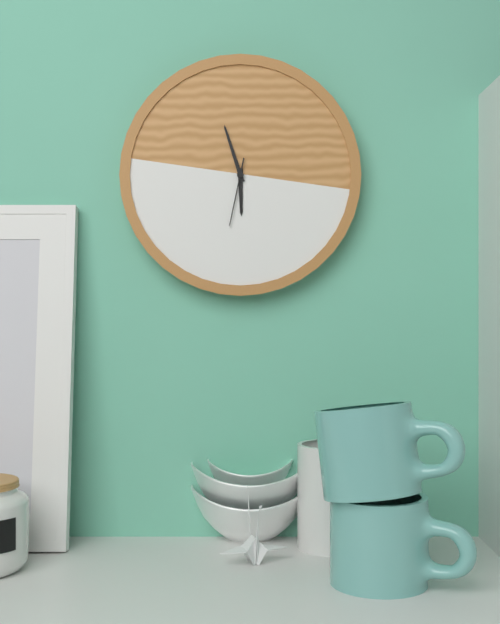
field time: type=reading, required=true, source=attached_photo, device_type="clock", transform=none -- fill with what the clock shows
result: 5:57:32
